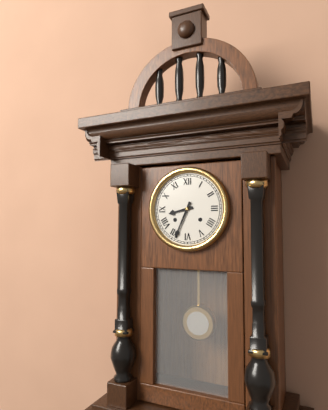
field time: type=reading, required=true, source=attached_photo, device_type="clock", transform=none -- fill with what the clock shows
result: 8:34
